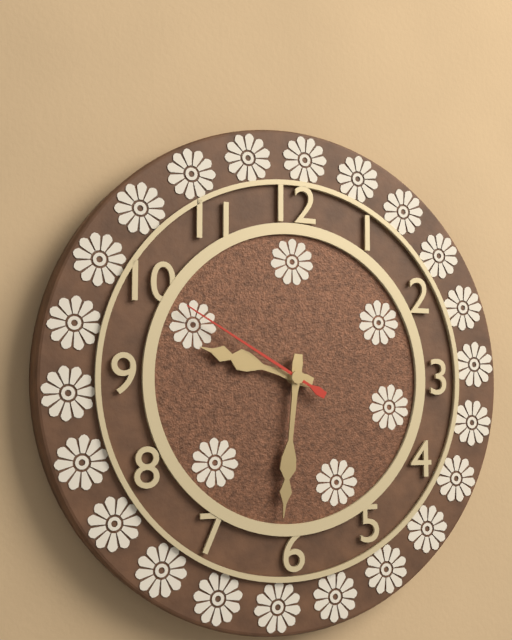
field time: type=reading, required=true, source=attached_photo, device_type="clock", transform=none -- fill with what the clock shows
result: 9:31:50
